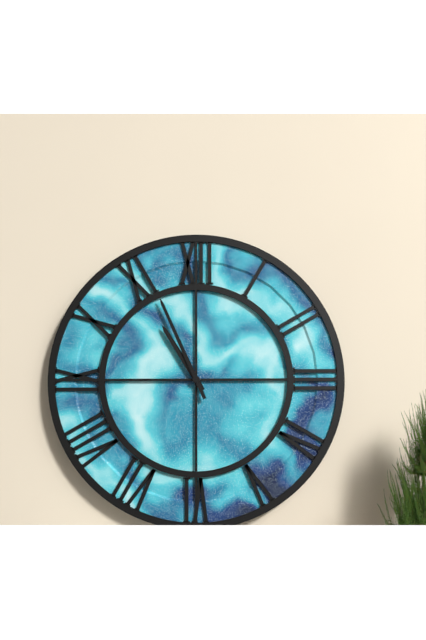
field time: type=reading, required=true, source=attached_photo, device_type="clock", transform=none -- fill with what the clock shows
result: 10:56
